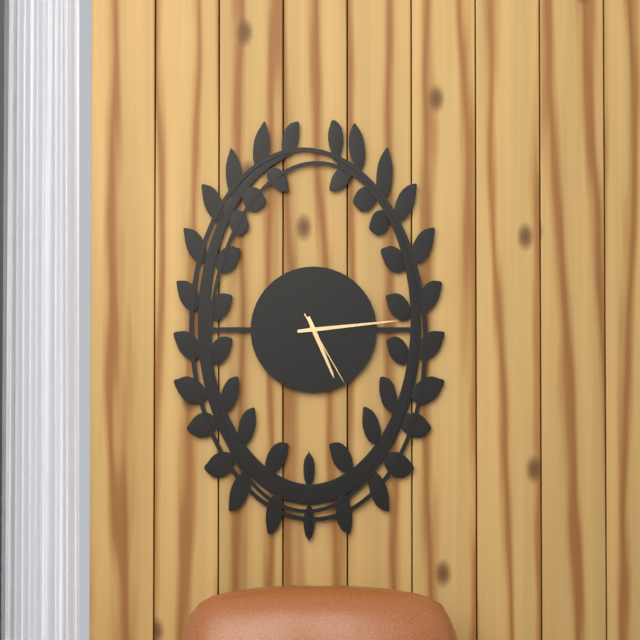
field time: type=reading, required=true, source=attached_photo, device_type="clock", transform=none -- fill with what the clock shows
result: 5:14:25
